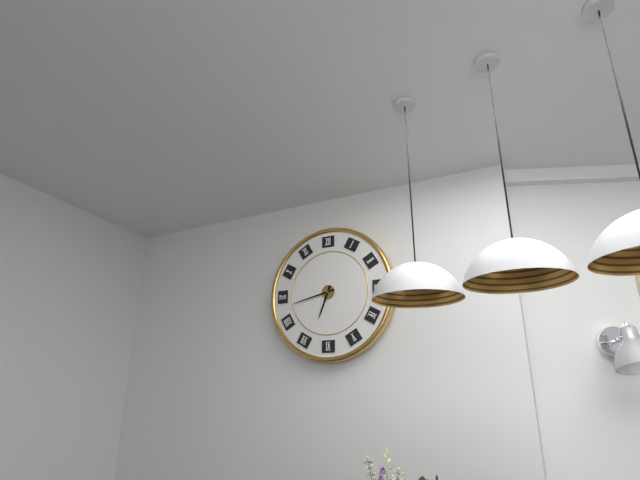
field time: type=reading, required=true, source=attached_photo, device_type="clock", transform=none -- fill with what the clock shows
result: 6:43
